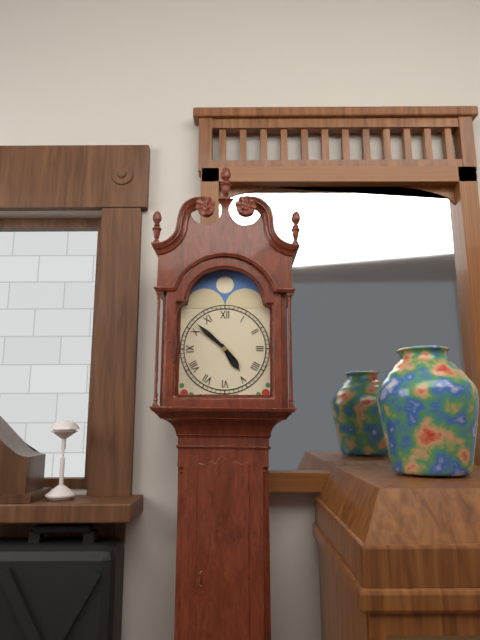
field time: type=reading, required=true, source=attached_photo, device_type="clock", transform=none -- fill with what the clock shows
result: 4:52
